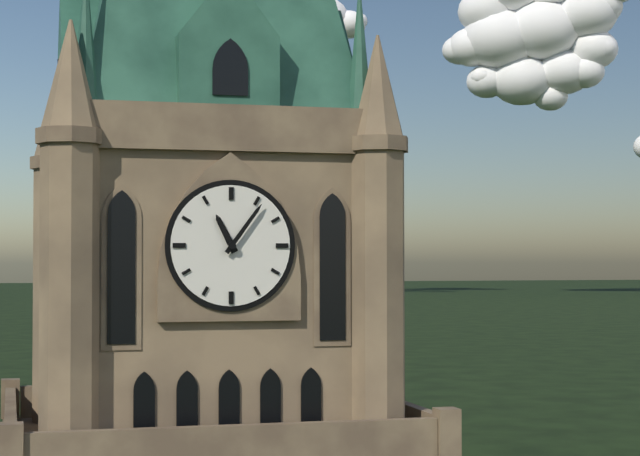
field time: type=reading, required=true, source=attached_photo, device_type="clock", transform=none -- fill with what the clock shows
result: 11:06
